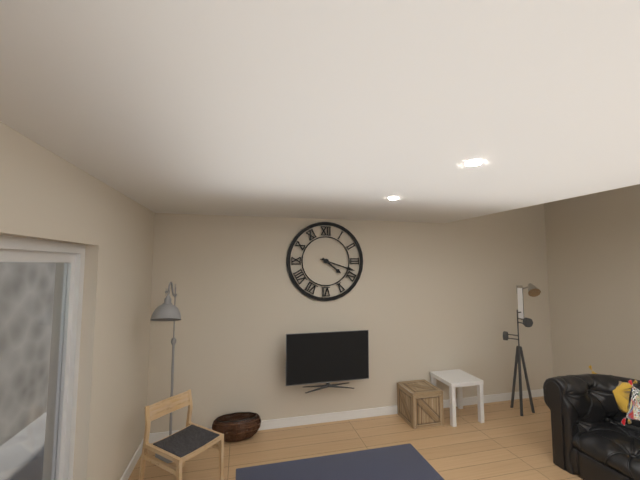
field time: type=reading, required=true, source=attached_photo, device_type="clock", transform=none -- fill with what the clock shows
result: 4:18
